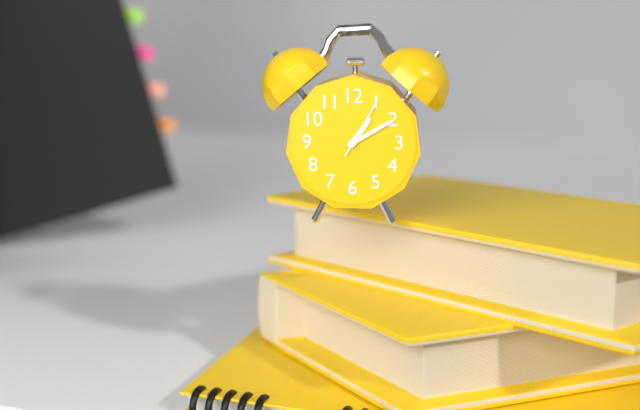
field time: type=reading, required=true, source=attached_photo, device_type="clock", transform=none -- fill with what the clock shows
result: 1:10:05
